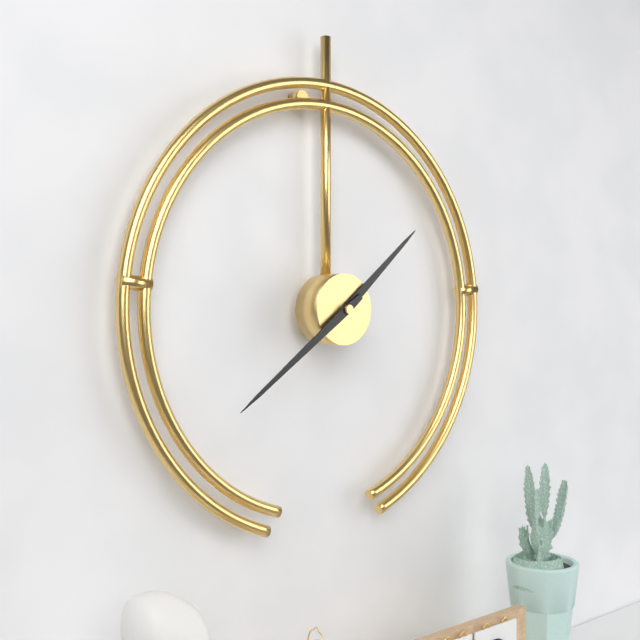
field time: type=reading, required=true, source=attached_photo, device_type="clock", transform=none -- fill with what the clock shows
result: 1:39
